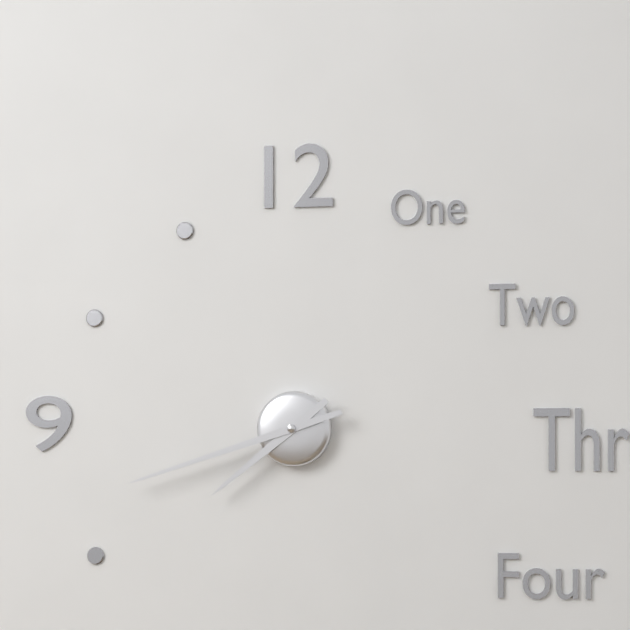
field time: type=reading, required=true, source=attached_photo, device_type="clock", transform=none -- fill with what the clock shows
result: 7:42
